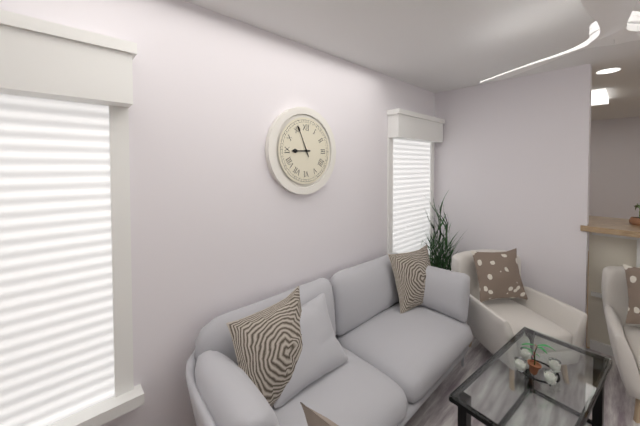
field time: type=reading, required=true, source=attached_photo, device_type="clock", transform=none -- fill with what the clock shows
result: 8:56
